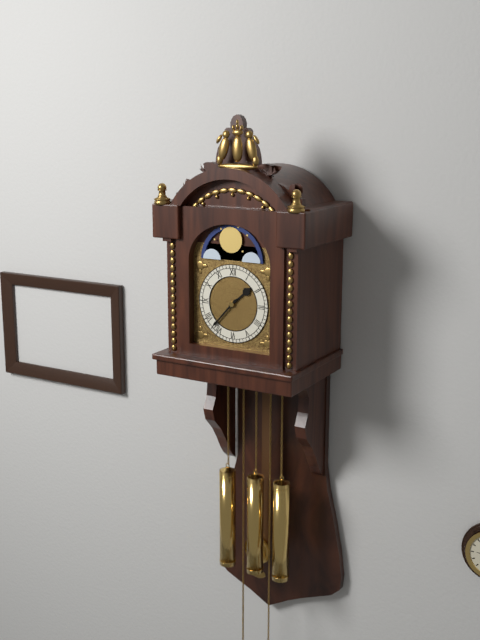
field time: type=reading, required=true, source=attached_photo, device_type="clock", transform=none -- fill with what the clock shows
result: 1:37
